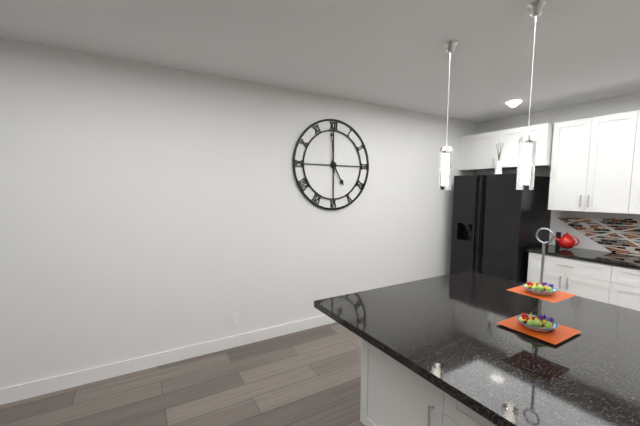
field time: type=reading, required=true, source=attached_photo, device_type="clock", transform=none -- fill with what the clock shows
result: 4:59
